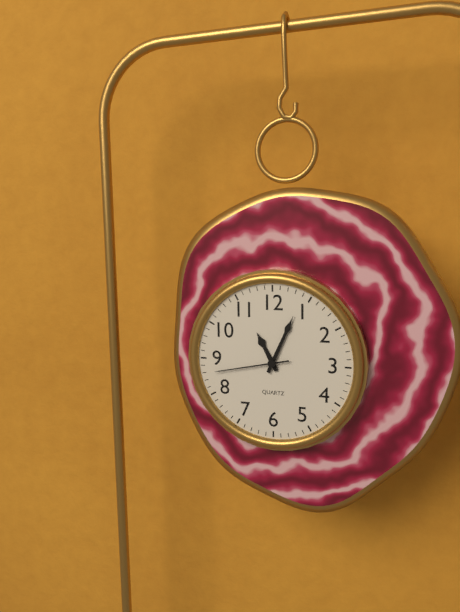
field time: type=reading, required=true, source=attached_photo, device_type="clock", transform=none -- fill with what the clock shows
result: 11:04:43
